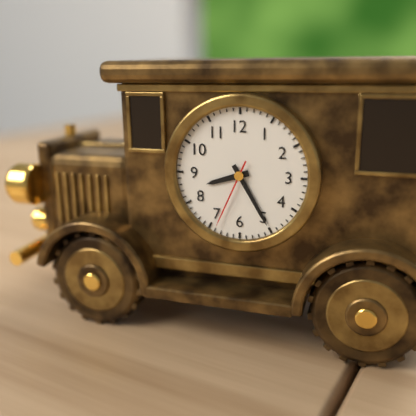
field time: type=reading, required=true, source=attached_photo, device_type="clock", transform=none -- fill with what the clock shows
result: 8:25:34
